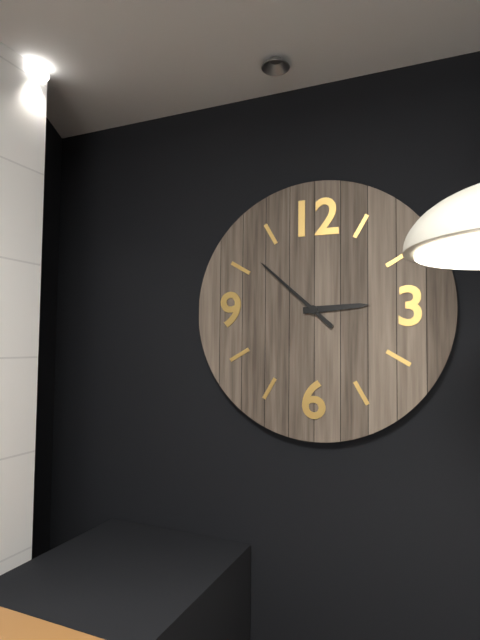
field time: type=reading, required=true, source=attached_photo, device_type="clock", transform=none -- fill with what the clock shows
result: 2:52
